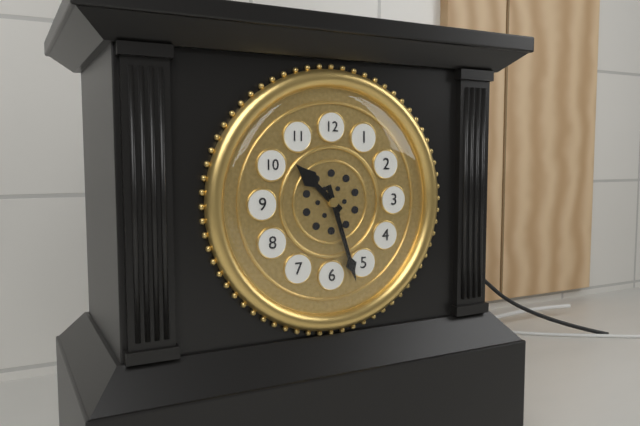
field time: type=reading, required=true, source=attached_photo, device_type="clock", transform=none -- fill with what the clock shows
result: 10:27
